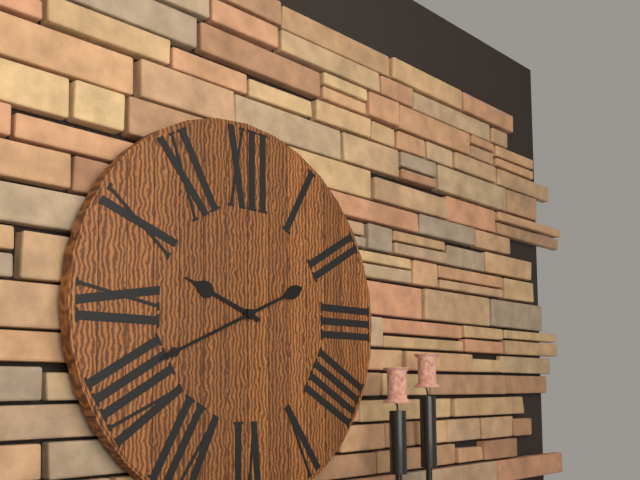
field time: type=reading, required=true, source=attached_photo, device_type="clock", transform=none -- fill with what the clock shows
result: 9:41
